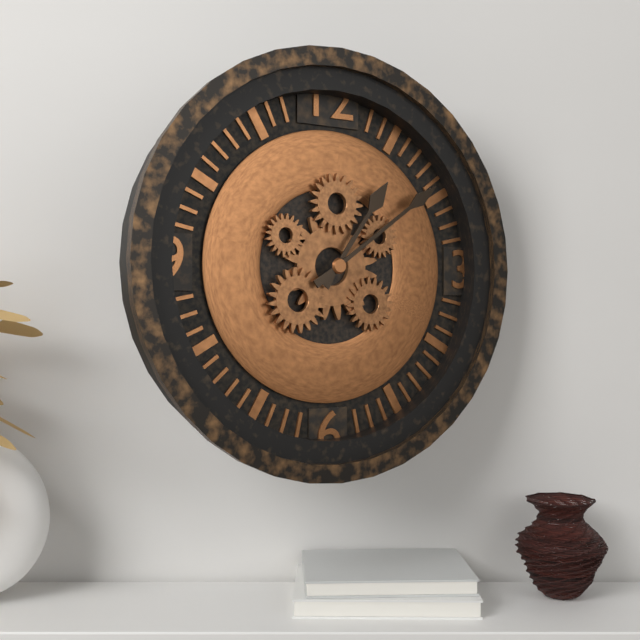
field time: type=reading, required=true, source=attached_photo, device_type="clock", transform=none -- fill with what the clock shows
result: 1:09
